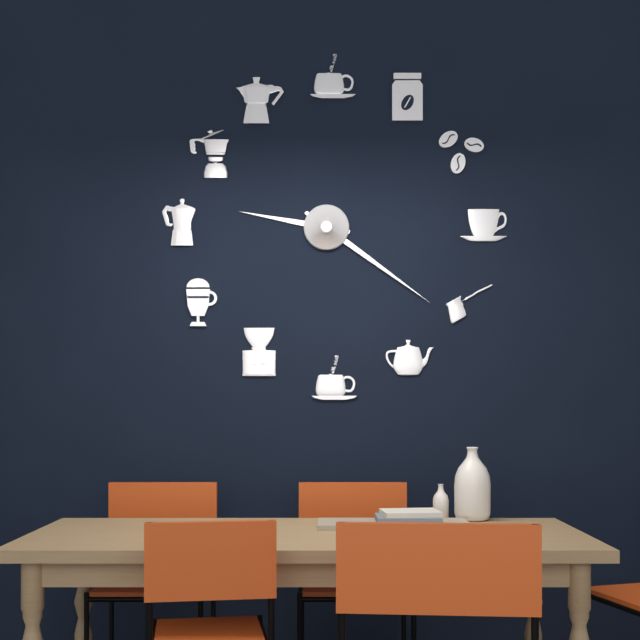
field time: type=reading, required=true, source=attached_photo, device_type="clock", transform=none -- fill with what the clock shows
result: 9:21
